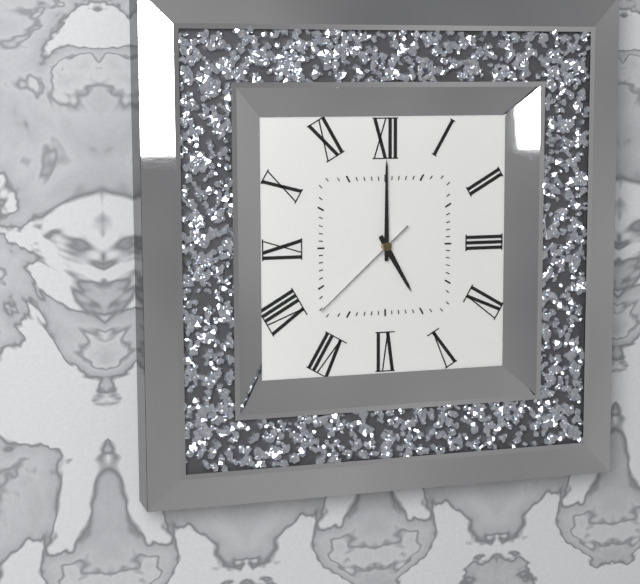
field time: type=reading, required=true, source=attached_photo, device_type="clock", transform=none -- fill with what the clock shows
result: 5:00:38
